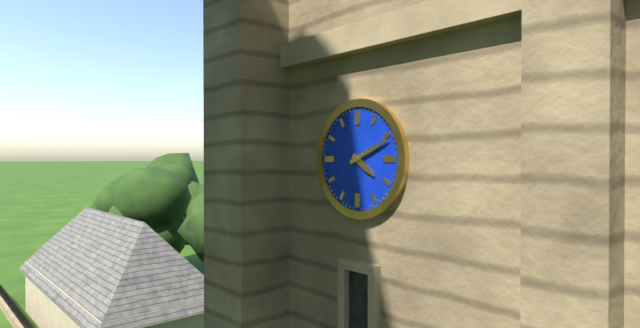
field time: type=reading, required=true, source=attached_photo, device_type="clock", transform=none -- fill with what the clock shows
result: 4:11
